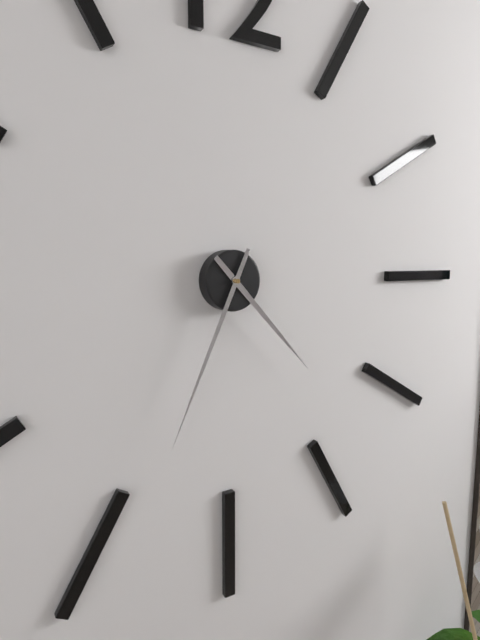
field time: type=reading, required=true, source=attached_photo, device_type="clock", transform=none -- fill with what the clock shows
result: 4:34
